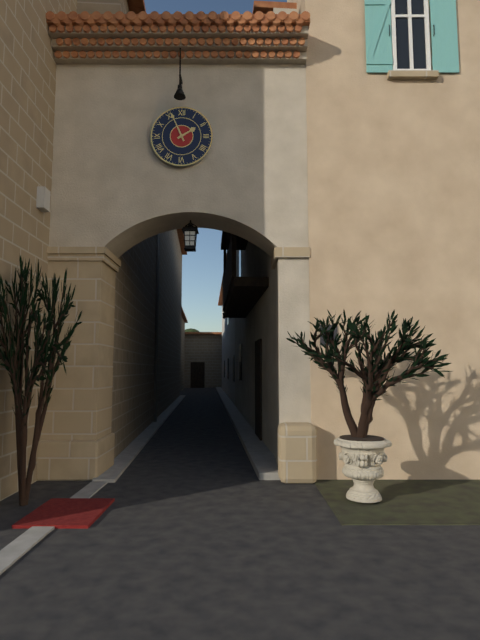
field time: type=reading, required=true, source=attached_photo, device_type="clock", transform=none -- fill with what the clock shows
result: 1:56
